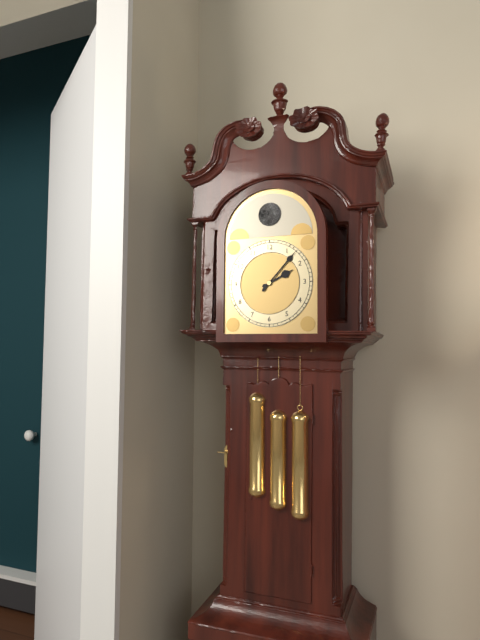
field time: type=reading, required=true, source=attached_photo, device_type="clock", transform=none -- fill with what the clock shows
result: 2:07
